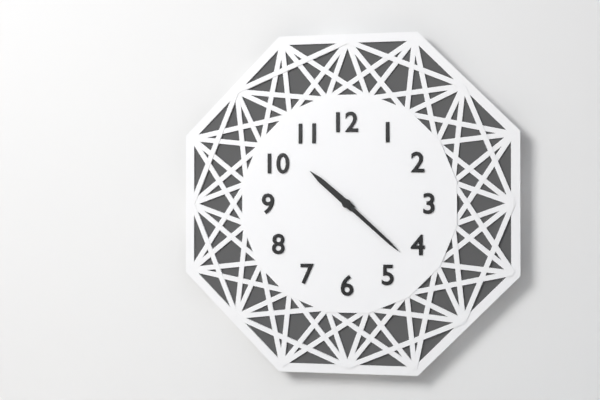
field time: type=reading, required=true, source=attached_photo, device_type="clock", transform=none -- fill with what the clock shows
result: 10:22
